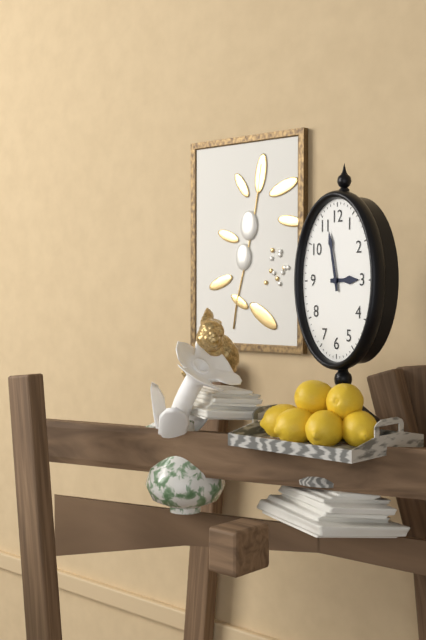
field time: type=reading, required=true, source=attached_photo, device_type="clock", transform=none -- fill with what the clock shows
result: 2:58
